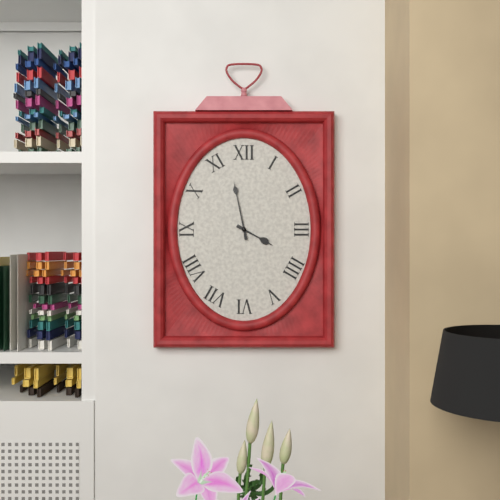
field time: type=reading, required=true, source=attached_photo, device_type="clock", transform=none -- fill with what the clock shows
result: 3:58
